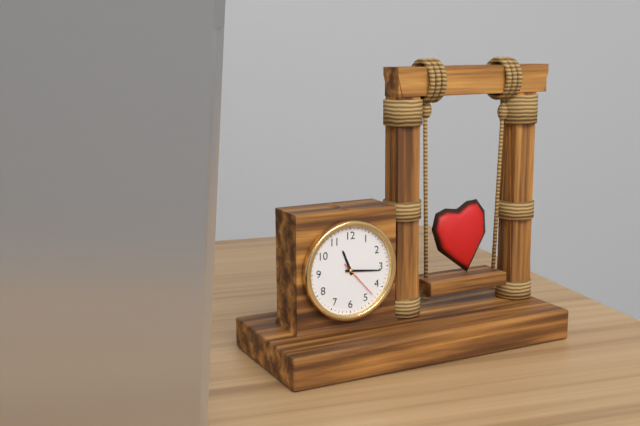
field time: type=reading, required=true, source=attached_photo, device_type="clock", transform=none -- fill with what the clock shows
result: 11:16
